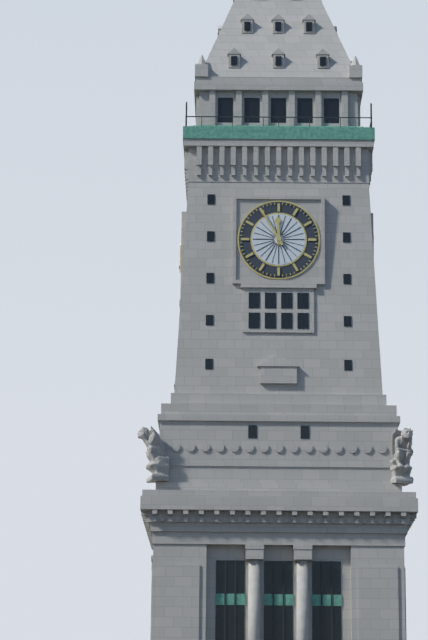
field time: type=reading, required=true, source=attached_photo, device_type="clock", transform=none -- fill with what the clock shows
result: 11:55
